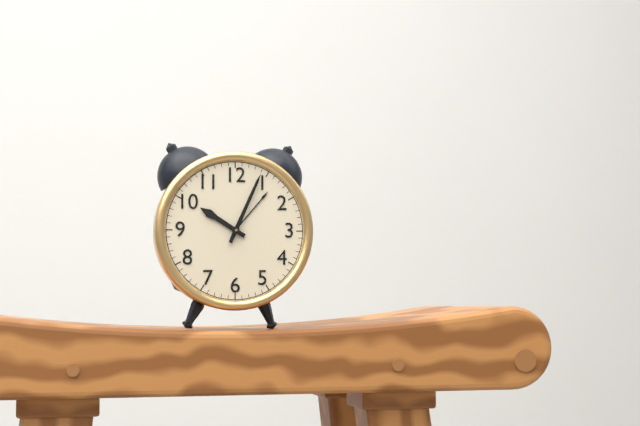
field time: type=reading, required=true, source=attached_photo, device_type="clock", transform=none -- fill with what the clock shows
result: 10:04
